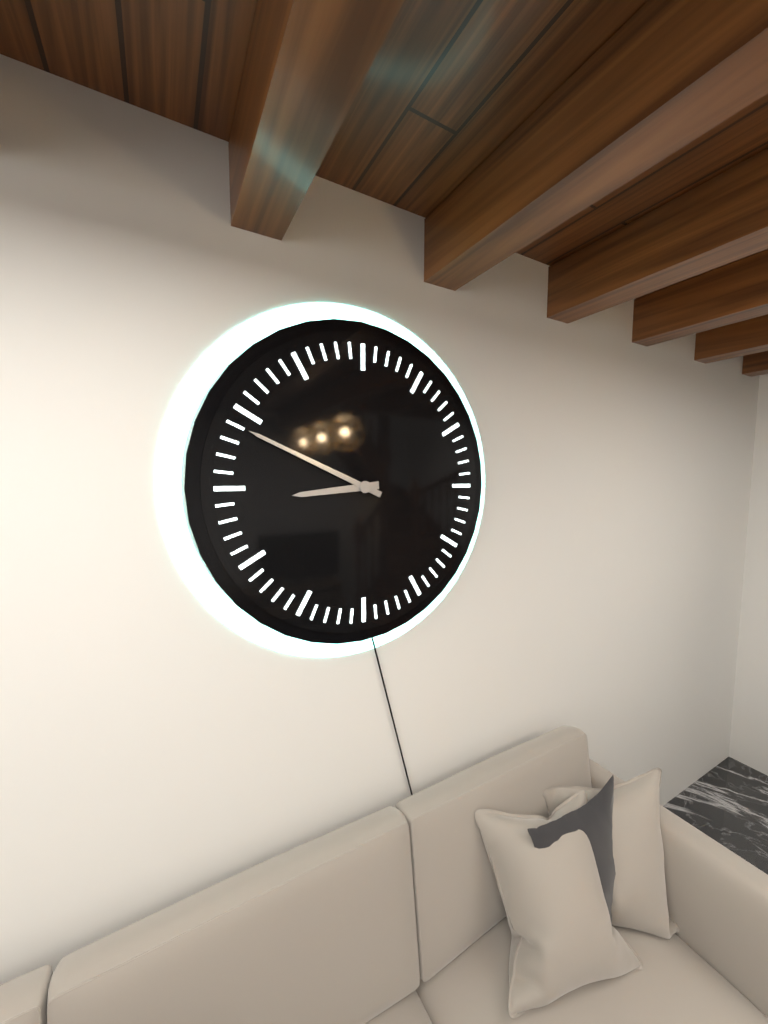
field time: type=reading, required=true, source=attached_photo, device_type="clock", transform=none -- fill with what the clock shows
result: 8:49
